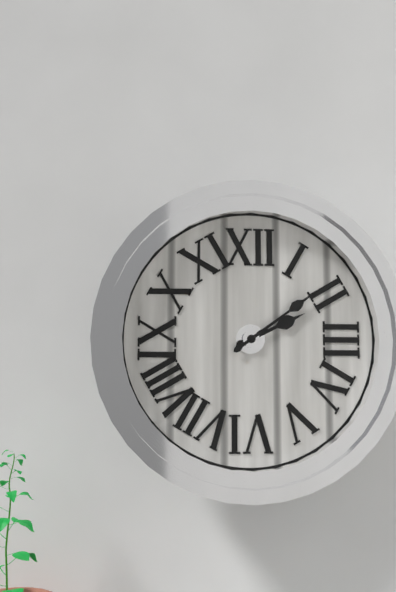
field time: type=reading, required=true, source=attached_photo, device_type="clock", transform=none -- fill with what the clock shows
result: 2:09
